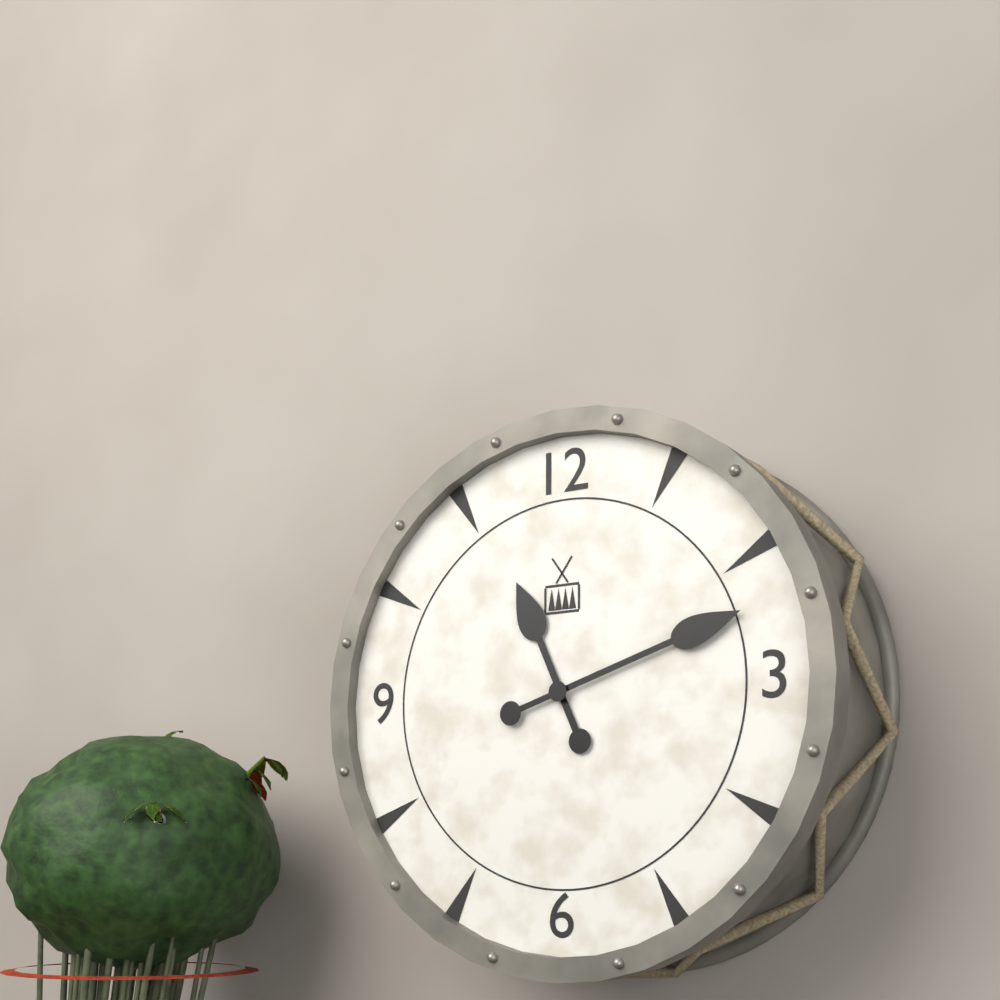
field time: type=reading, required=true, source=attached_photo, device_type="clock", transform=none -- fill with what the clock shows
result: 11:12
